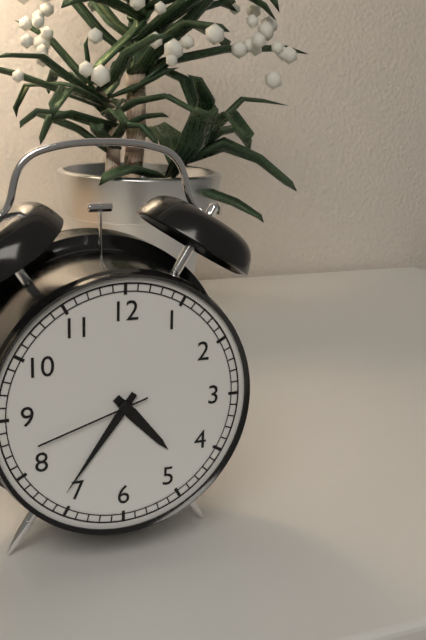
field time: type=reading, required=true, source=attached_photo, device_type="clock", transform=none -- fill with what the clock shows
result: 4:36:42
